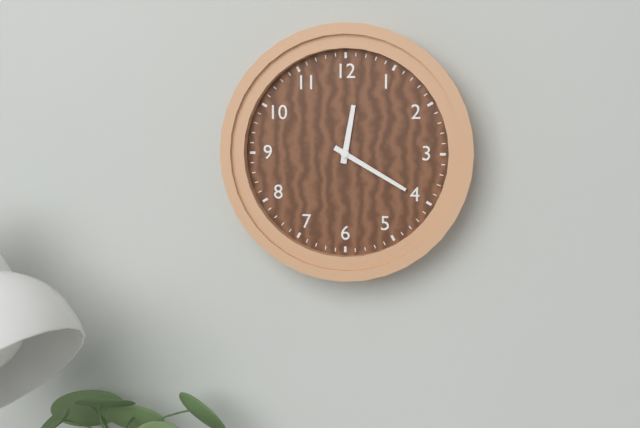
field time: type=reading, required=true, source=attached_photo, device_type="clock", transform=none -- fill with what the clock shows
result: 12:20
